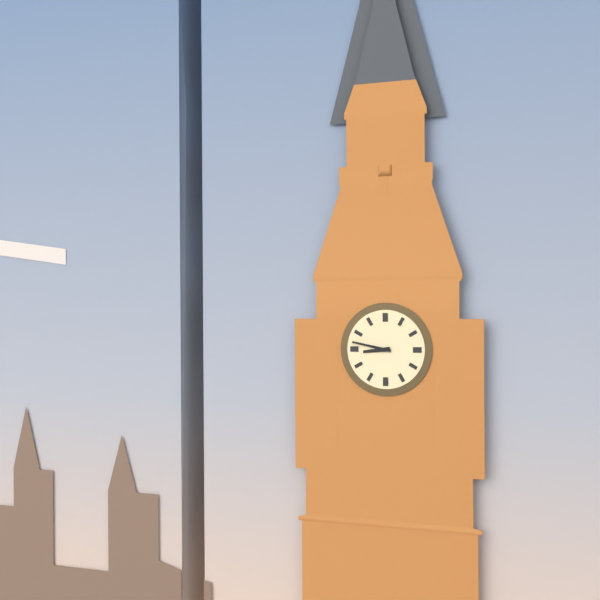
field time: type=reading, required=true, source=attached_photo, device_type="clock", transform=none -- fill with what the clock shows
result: 8:47
